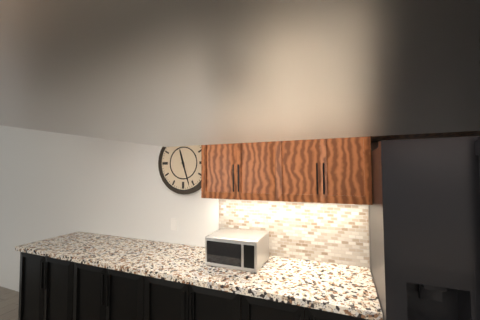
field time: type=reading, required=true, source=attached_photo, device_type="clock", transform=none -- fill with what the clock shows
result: 11:27
